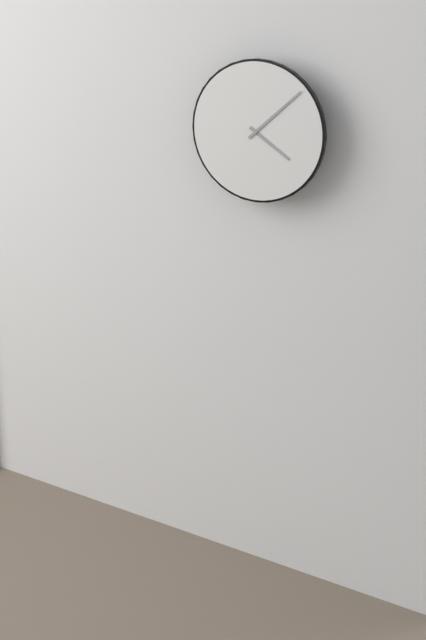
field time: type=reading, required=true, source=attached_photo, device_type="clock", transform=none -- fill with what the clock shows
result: 4:08
